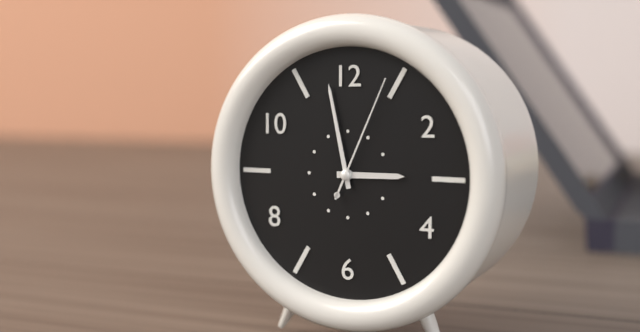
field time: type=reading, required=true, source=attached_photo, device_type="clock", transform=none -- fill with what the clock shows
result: 2:58:04
